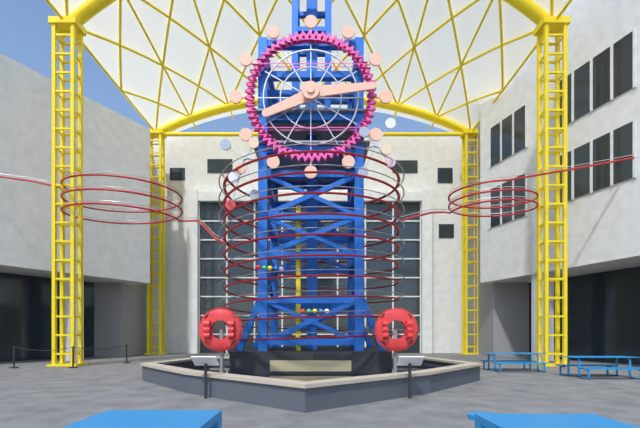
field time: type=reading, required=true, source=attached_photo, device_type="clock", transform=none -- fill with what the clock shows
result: 8:14
